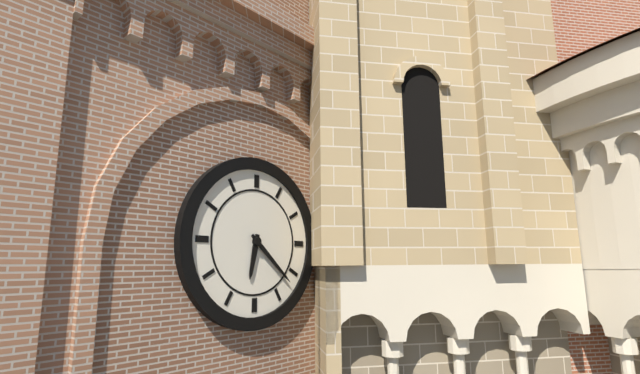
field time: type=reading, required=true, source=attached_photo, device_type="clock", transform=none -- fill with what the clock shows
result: 6:22
